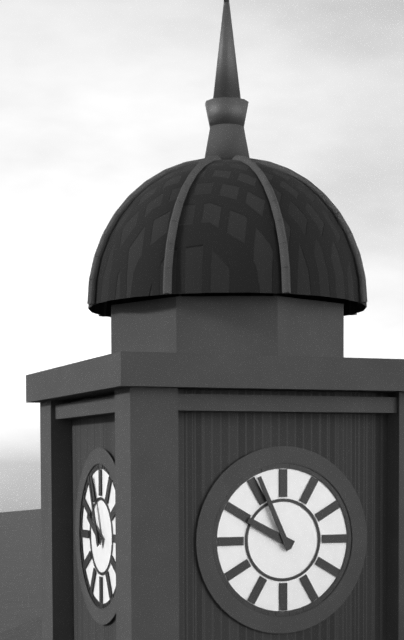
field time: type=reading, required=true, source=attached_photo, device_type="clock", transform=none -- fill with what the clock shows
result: 9:56
